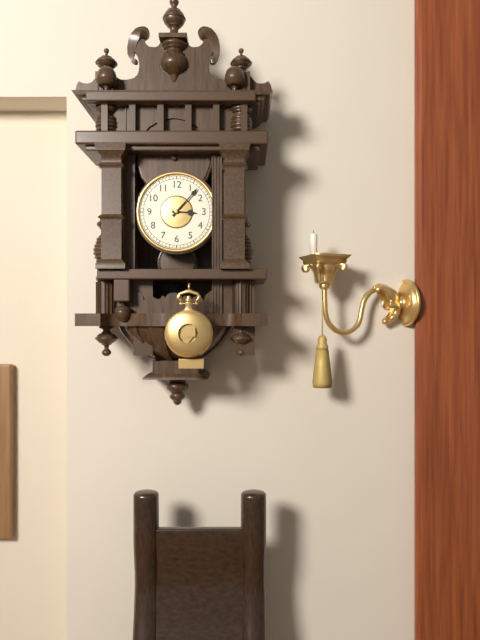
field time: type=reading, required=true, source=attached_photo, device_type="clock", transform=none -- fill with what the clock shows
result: 3:07
